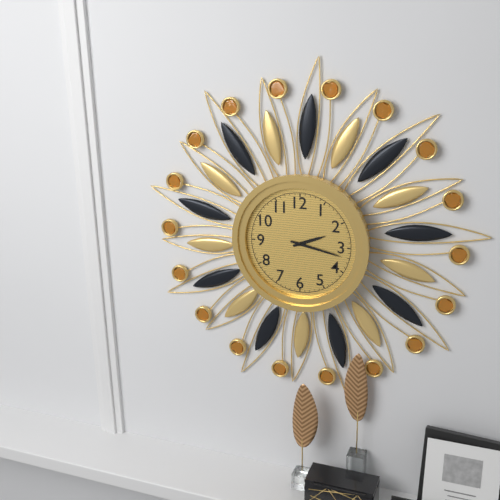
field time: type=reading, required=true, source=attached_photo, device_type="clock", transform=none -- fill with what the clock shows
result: 2:17
